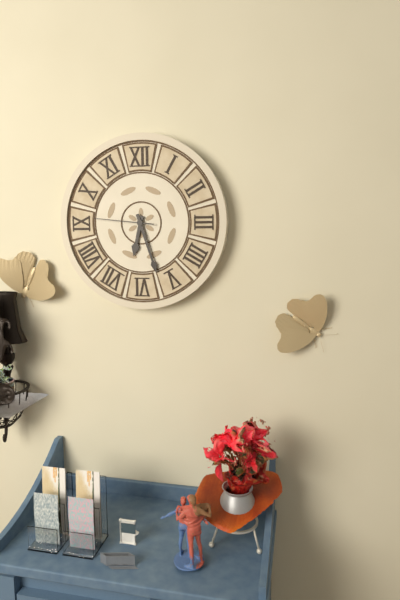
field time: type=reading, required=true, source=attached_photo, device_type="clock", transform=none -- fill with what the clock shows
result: 6:27:46
